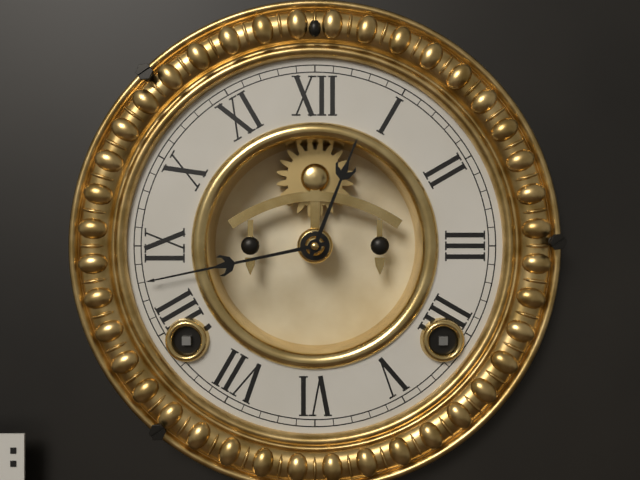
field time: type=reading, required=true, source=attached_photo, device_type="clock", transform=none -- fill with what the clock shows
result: 12:43
